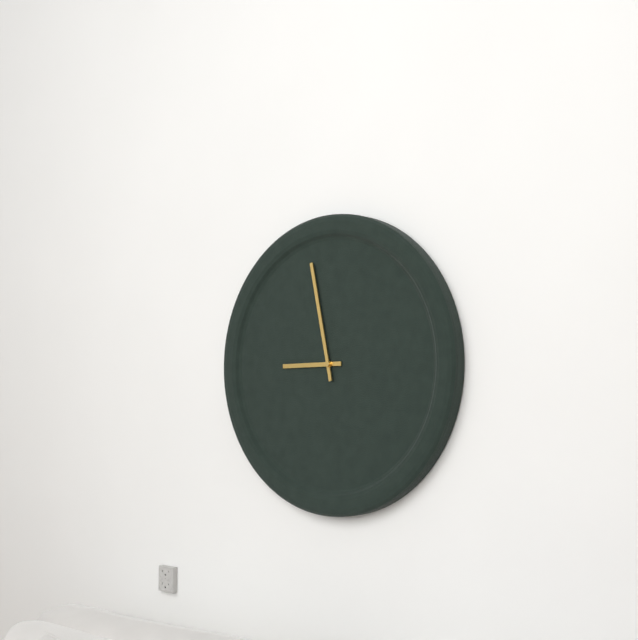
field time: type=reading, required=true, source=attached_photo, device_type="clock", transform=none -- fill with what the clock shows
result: 8:58
